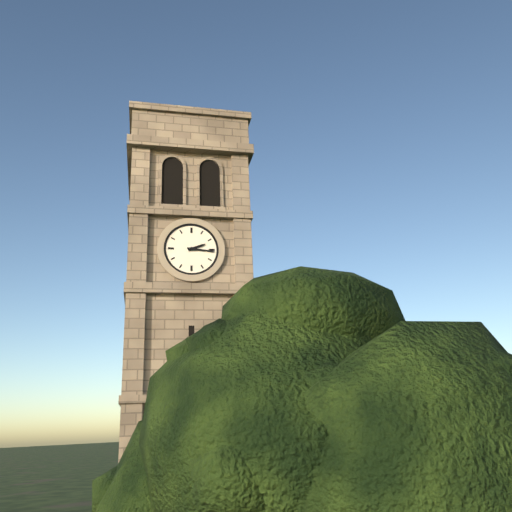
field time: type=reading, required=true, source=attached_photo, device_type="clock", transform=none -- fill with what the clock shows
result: 2:16
